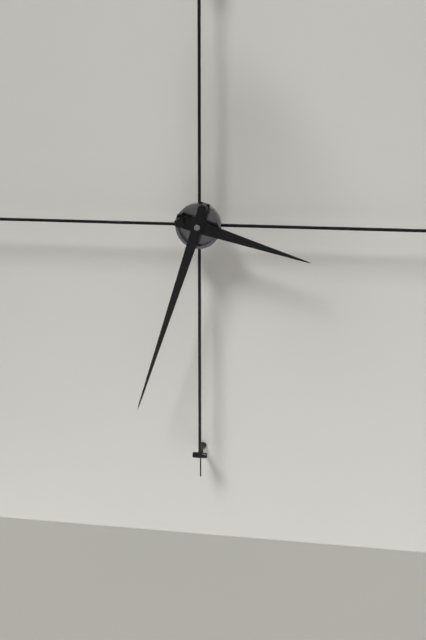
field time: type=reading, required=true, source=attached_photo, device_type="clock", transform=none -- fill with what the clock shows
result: 3:33
